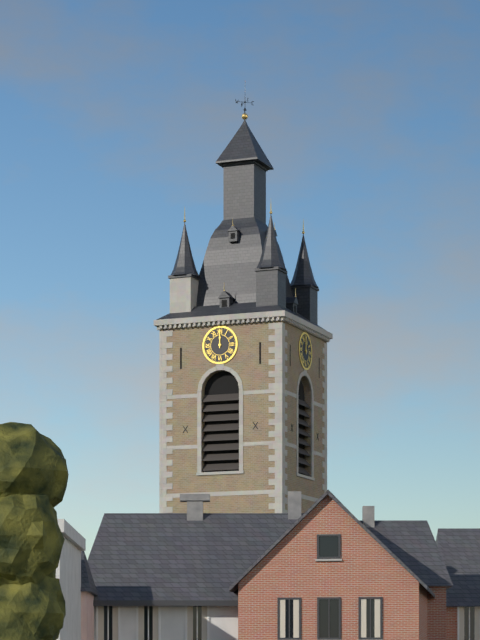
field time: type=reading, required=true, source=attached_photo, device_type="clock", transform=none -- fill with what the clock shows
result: 12:00
